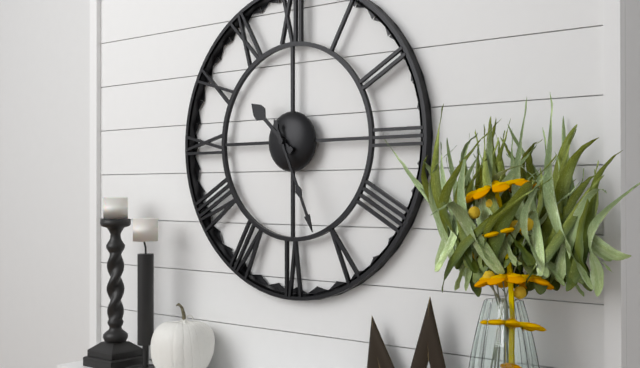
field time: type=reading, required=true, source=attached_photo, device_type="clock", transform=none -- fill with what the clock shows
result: 10:26
